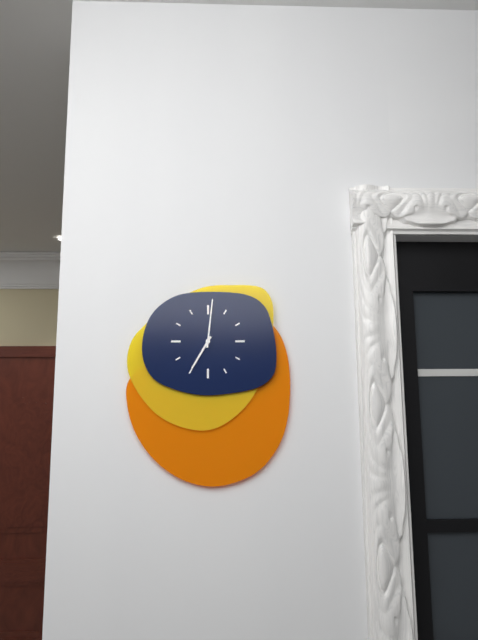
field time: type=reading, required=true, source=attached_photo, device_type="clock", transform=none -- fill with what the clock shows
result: 7:01
